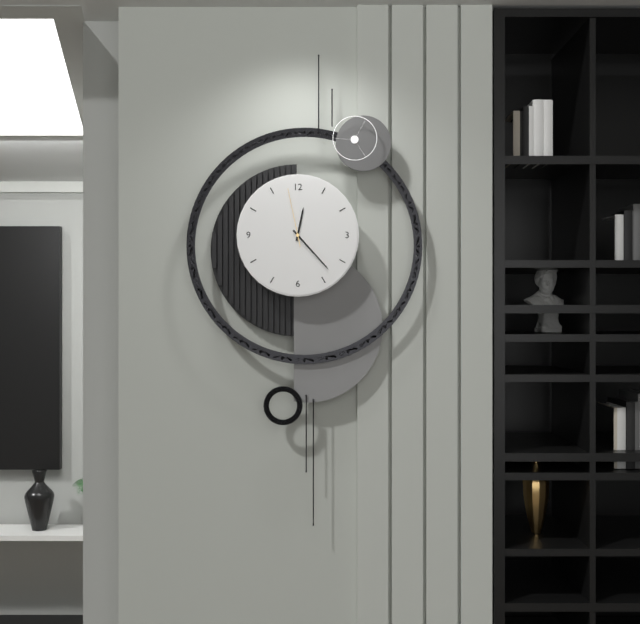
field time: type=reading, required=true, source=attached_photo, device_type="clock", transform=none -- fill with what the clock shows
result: 12:23:58
